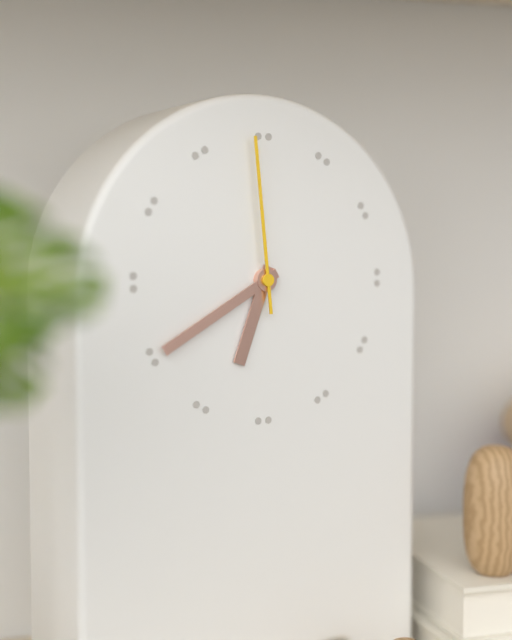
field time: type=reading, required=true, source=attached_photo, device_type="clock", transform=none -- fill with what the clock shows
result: 6:40:59
